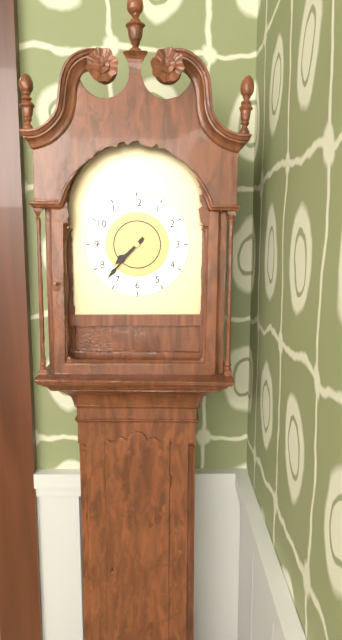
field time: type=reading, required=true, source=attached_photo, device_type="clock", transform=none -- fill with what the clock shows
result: 7:37
